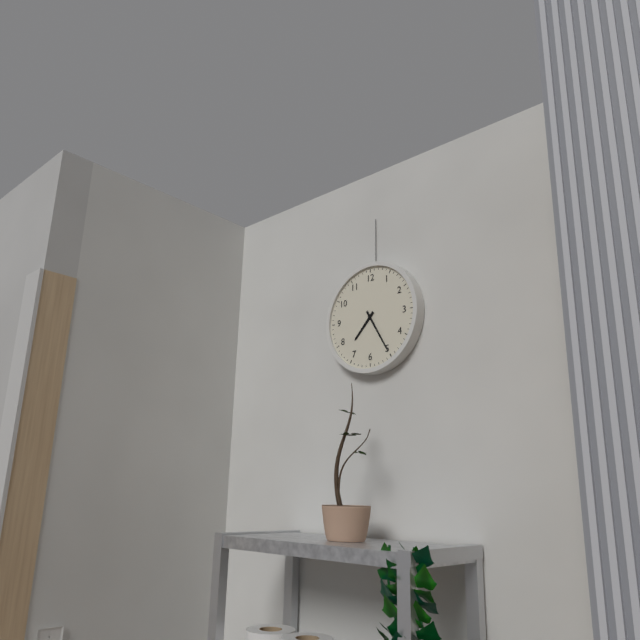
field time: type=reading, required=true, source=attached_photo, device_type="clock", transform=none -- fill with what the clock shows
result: 7:25
